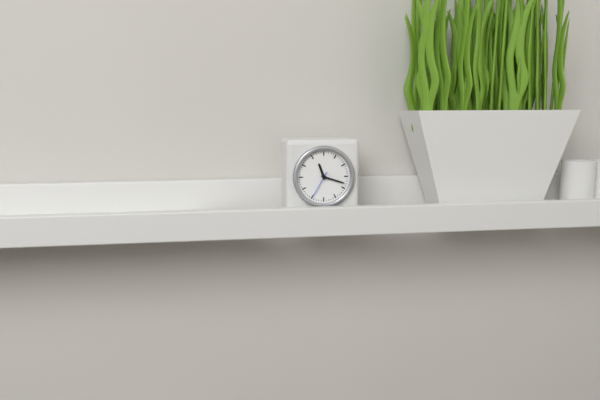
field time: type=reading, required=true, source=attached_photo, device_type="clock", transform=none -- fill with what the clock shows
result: 11:18
